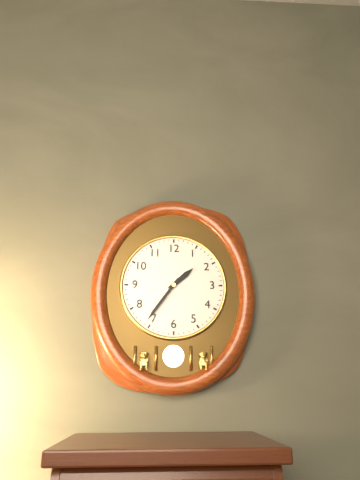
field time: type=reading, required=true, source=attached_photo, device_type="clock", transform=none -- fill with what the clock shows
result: 1:36
